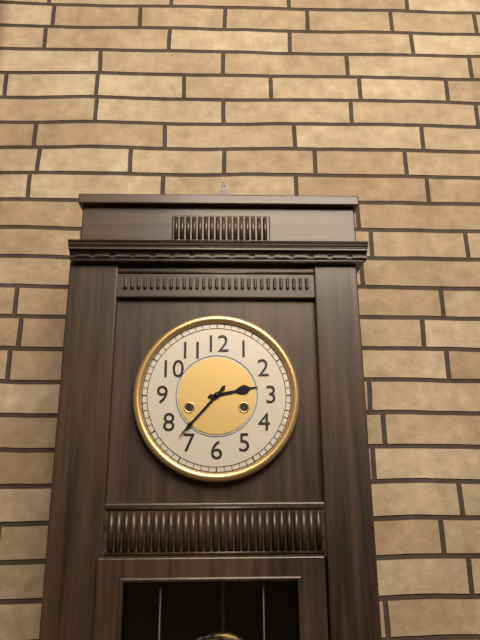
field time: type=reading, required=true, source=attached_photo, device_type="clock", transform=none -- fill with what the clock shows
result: 2:37
